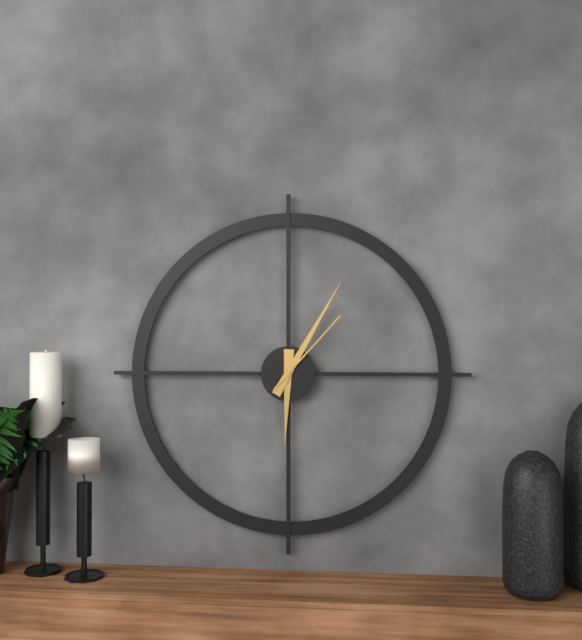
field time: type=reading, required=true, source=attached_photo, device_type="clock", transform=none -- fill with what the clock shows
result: 6:05:07
